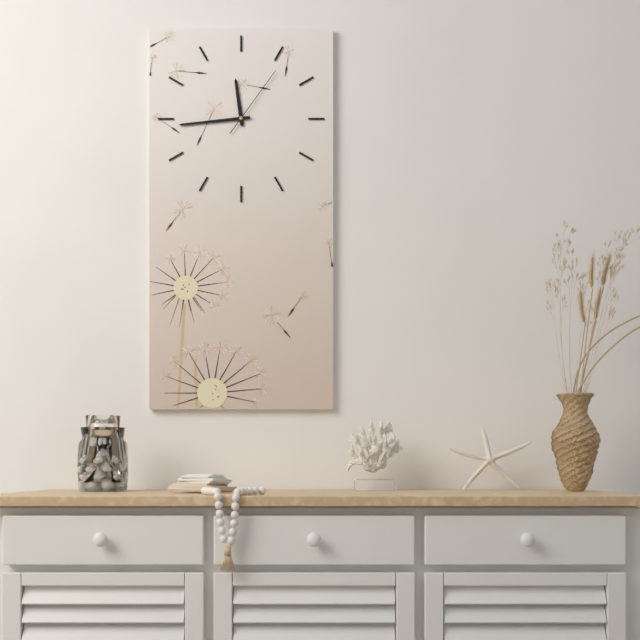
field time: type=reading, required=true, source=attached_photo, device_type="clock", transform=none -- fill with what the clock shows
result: 11:44:06
